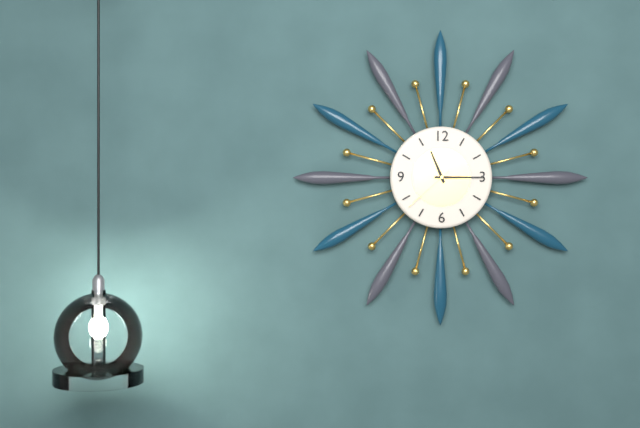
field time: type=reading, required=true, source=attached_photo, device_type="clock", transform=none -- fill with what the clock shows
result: 11:15:38
